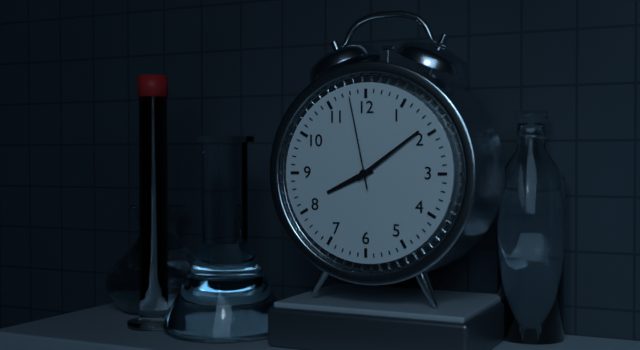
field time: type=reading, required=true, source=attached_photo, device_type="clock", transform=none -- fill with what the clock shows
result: 8:09:58
